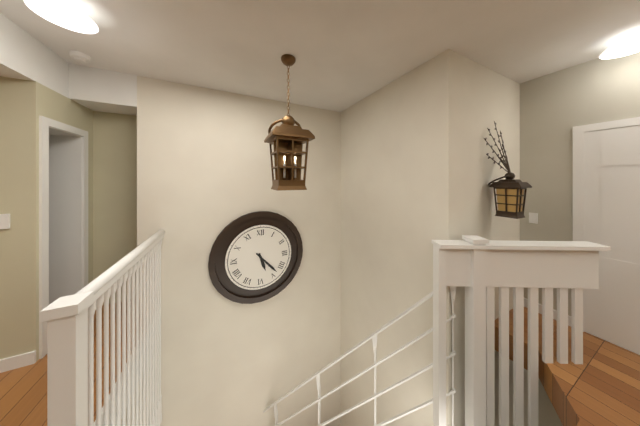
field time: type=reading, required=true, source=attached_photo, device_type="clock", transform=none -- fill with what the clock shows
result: 5:23
